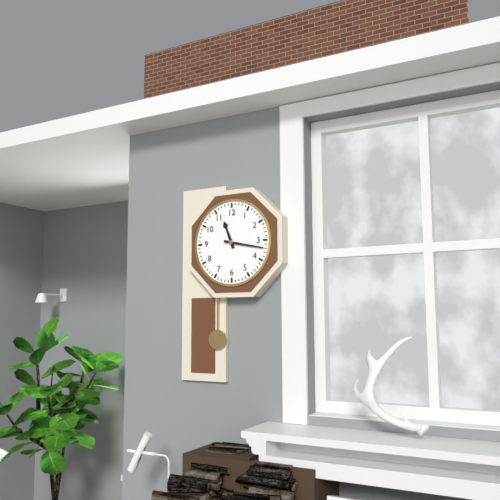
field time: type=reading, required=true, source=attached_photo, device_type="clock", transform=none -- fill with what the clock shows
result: 11:17
